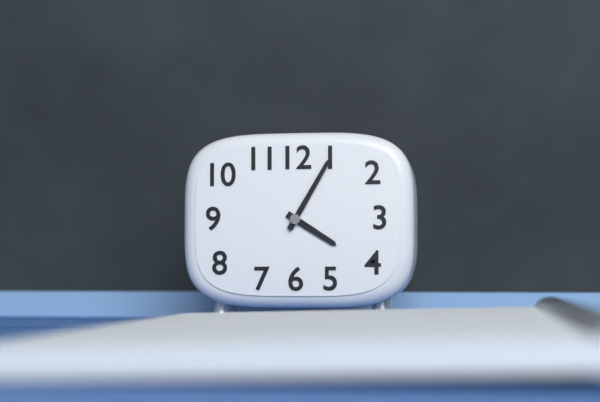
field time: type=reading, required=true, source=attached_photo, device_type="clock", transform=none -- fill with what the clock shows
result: 4:05
